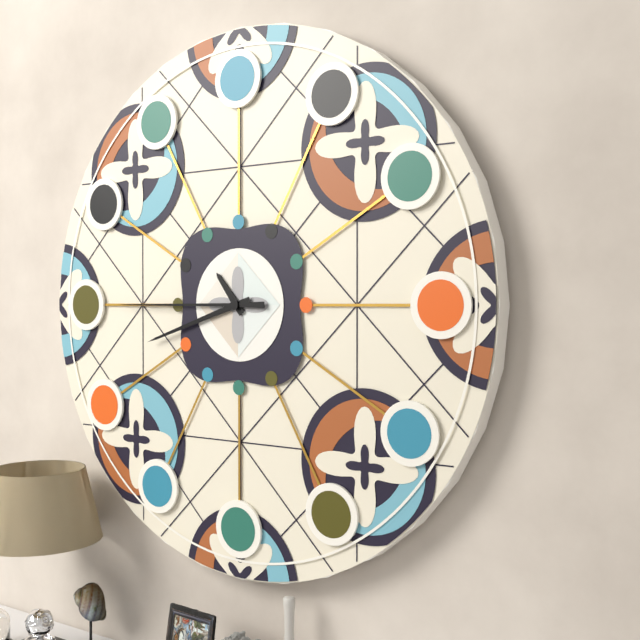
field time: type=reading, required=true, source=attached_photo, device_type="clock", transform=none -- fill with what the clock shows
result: 10:42:45
